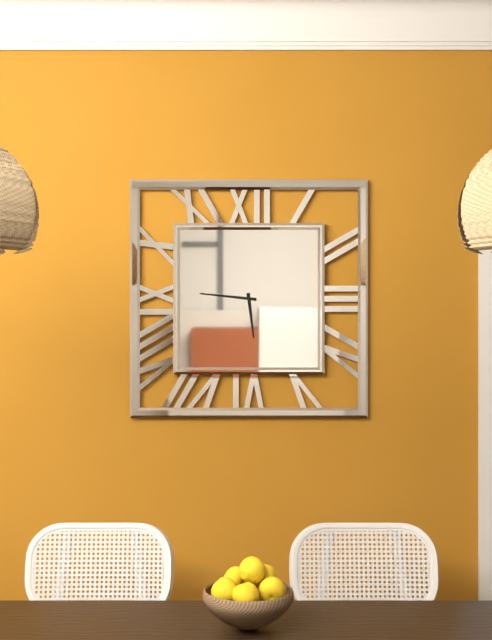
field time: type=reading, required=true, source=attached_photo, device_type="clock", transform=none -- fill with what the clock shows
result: 5:46
